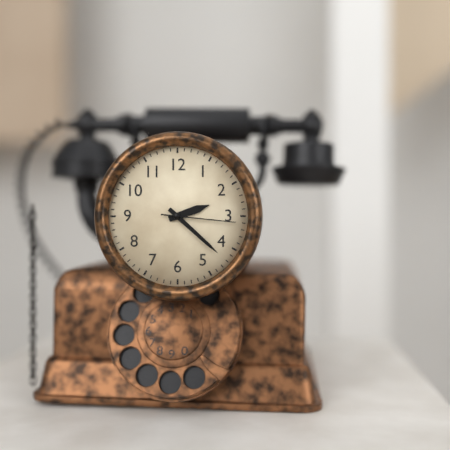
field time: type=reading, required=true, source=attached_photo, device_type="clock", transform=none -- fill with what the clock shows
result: 2:22:16
